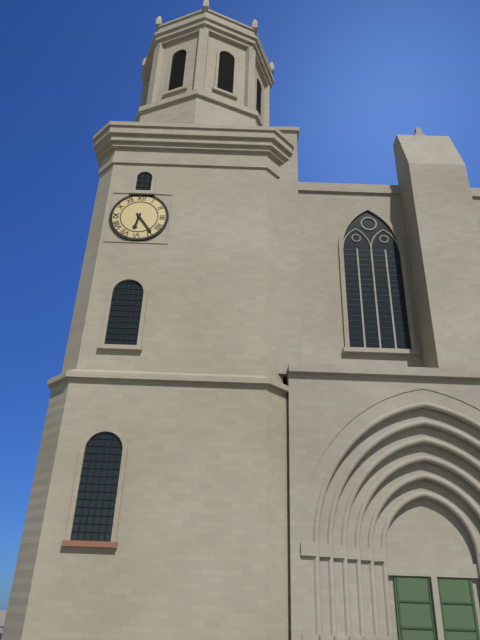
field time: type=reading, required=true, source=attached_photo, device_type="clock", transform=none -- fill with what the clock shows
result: 6:24
